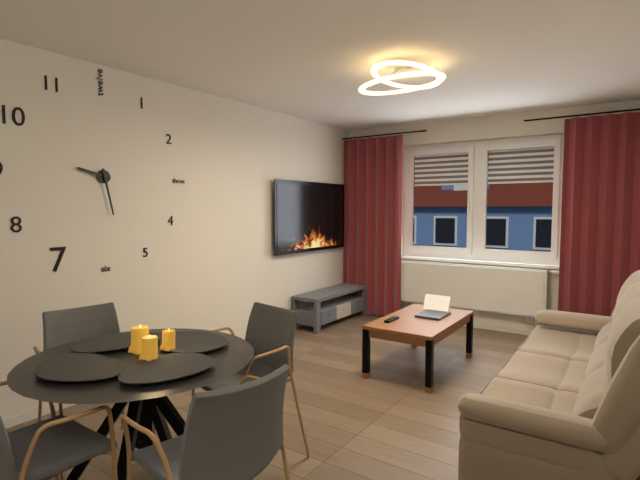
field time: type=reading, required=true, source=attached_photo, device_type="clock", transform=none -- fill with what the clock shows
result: 9:28
